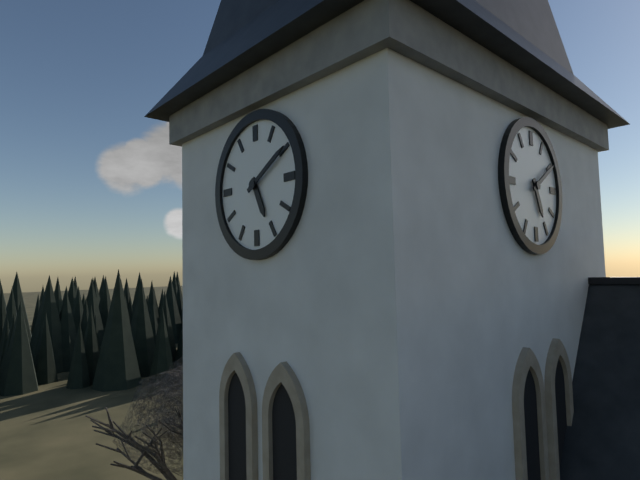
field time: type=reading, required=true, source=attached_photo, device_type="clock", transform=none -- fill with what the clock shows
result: 5:10
